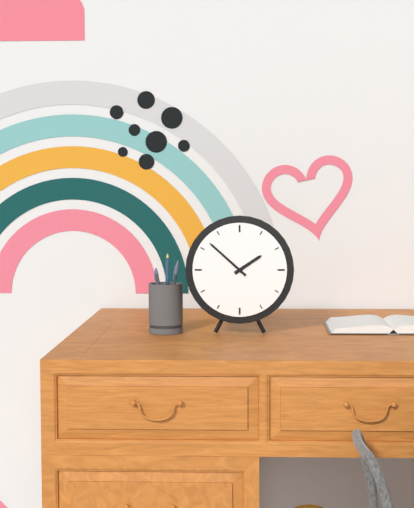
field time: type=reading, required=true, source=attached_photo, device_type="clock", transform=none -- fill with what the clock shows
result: 1:52
